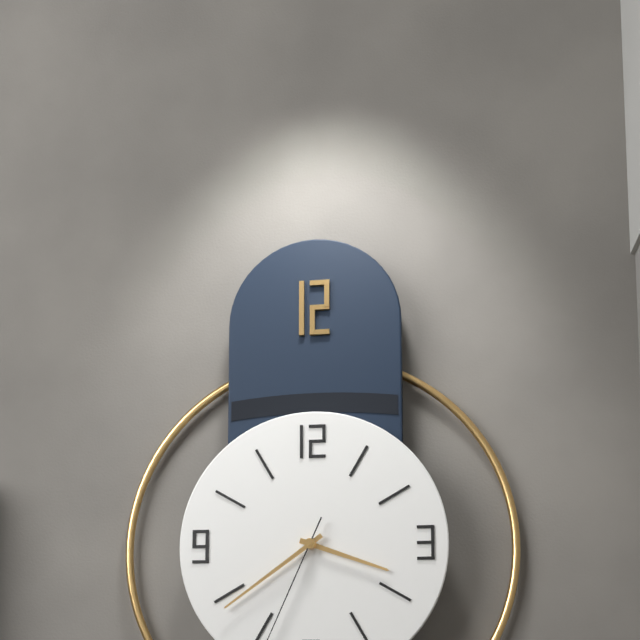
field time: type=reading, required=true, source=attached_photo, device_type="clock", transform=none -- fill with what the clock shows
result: 3:39
